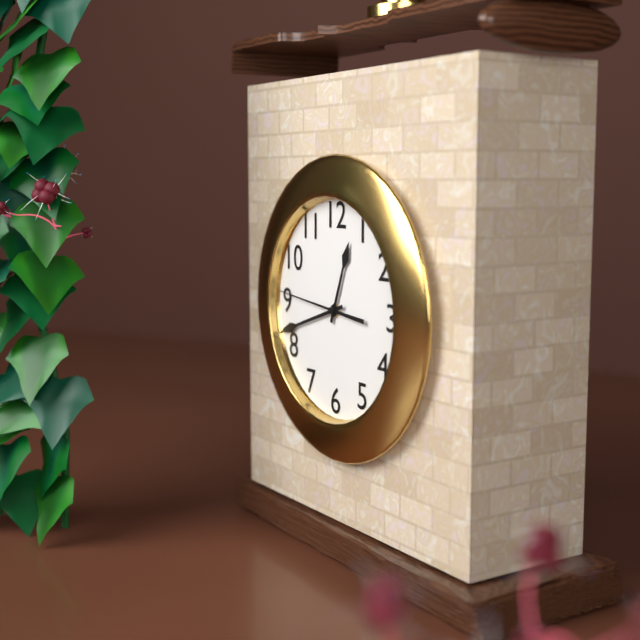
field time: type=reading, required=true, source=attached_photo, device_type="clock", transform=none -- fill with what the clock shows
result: 12:42:46
